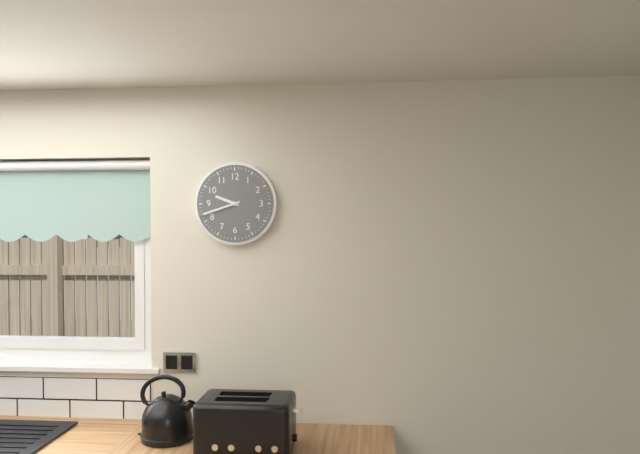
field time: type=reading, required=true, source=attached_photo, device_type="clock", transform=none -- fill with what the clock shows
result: 9:42
